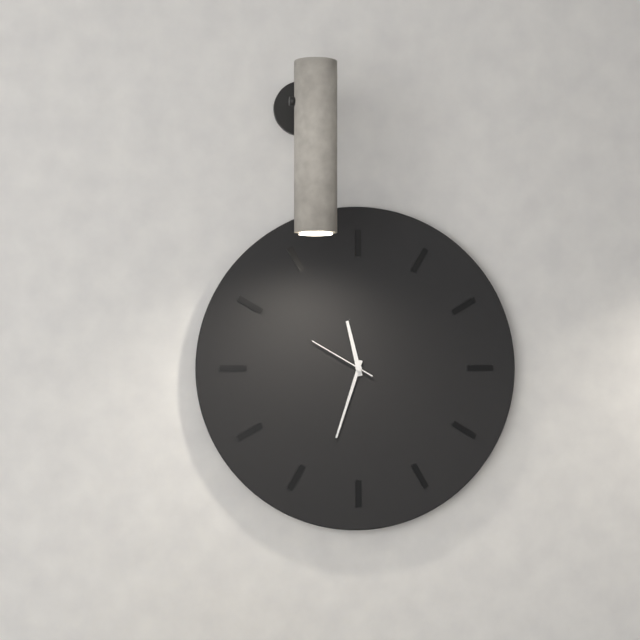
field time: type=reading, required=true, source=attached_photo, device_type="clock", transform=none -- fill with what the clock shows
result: 11:33:50
